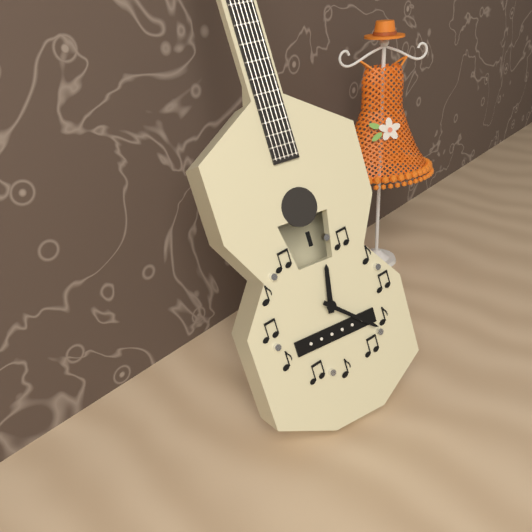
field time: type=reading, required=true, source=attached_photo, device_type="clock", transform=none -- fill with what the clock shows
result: 12:22
